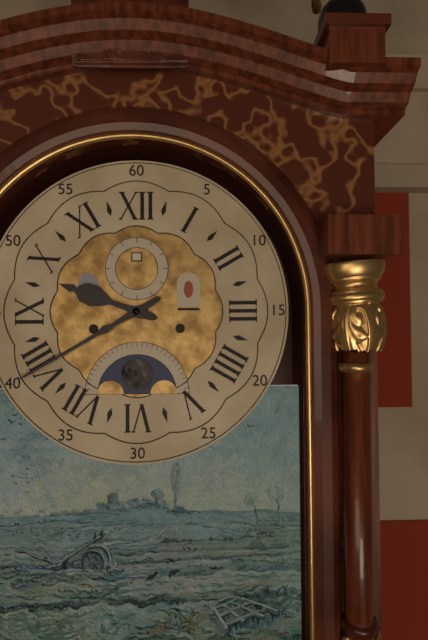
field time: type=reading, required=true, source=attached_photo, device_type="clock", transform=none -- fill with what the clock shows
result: 9:40
